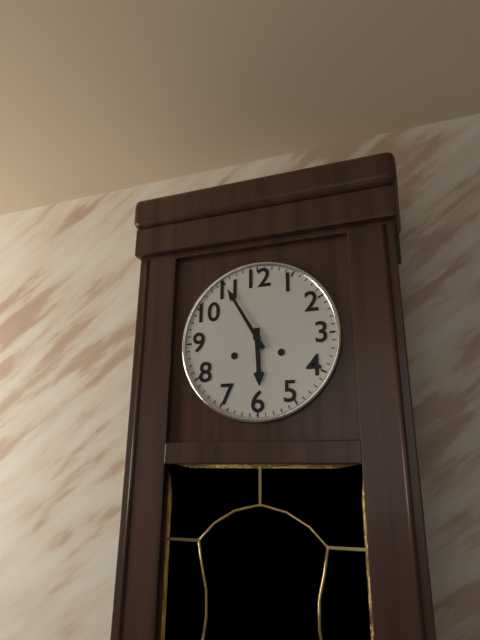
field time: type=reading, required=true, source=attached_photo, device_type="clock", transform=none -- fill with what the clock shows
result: 5:55
